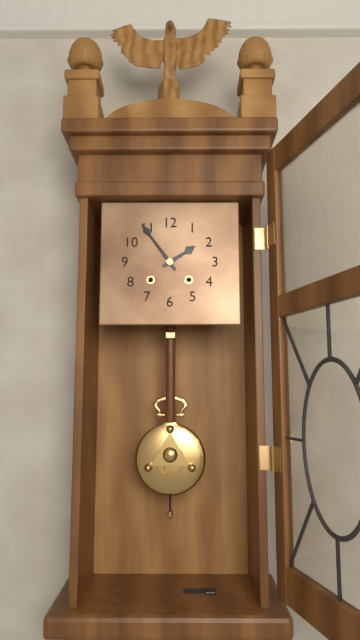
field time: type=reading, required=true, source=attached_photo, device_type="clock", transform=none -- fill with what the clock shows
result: 1:54
